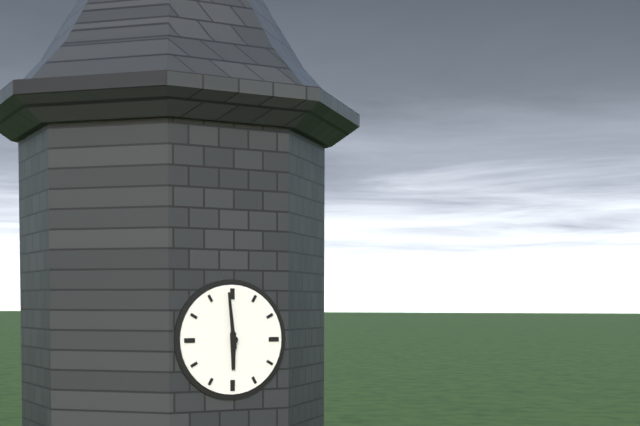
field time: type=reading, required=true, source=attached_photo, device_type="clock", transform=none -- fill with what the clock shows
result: 5:59
